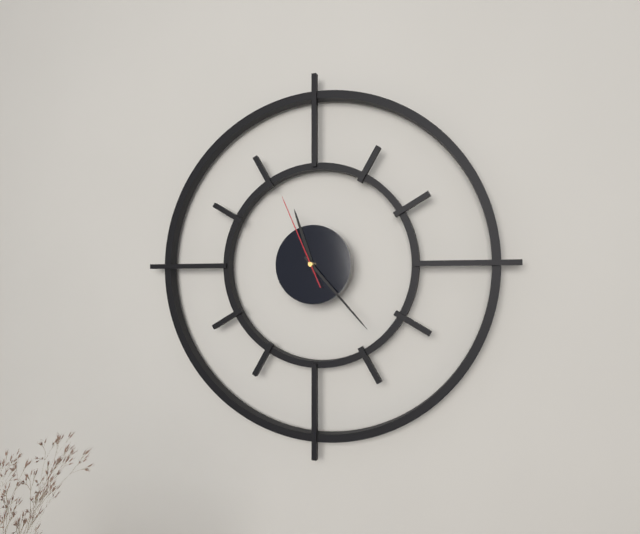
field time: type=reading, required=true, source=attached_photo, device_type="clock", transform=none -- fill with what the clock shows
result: 11:23:56
